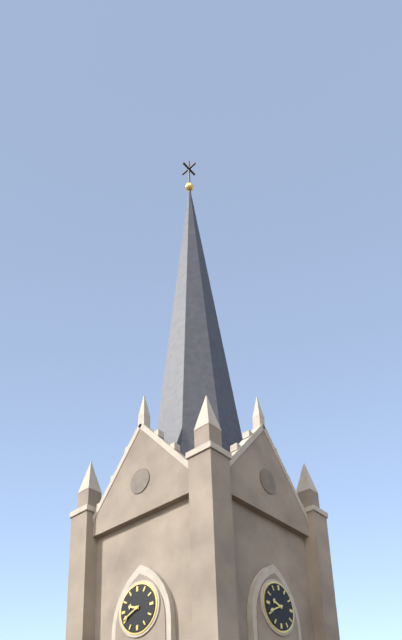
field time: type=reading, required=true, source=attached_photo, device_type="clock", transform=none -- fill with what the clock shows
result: 9:41
